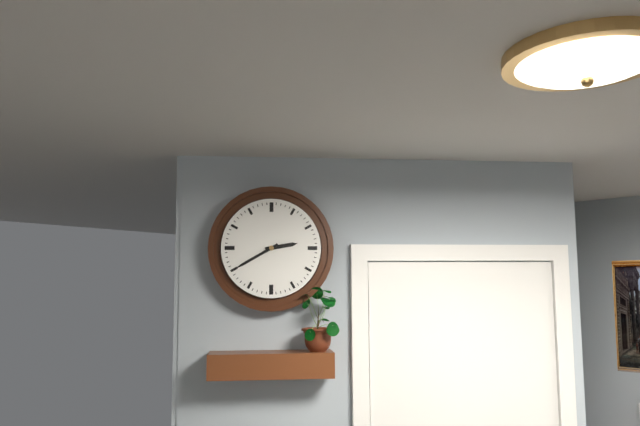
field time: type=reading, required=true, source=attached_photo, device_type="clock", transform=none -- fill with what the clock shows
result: 2:40
